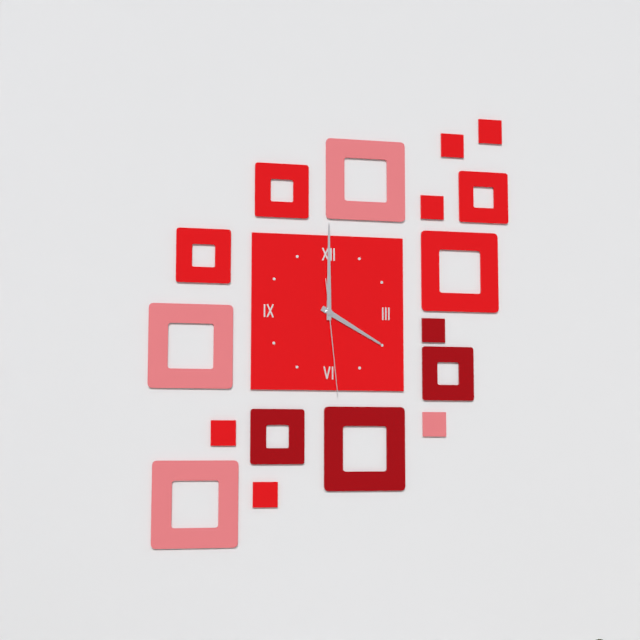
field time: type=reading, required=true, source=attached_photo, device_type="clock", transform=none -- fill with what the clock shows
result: 4:00:29
